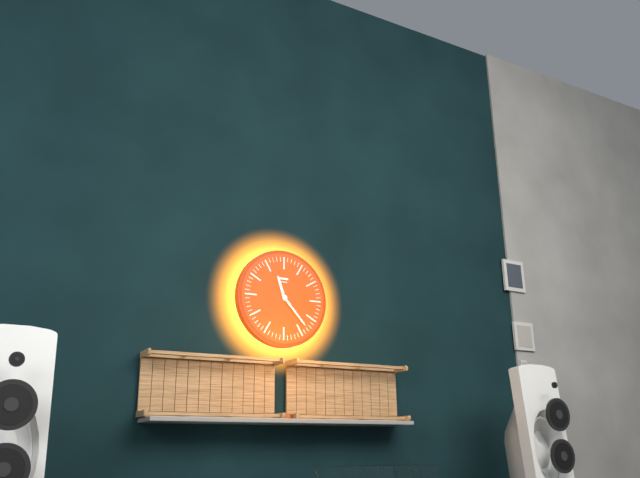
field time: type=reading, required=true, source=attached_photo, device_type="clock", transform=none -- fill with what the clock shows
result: 11:23
